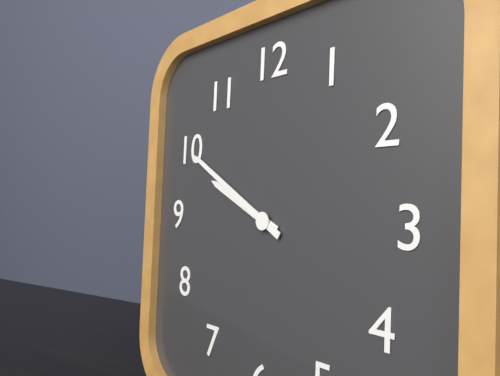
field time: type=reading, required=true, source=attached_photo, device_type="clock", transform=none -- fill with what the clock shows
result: 9:50
